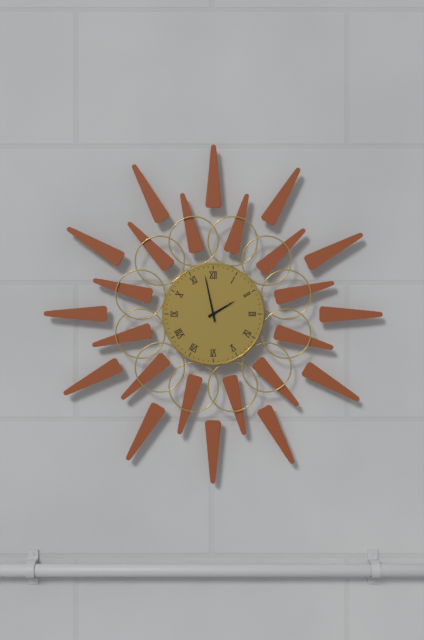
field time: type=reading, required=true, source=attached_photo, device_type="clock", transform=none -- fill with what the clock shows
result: 1:58
